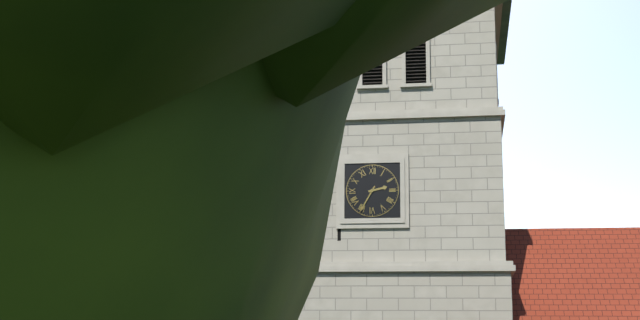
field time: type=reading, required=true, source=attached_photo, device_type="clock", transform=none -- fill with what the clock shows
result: 2:35
